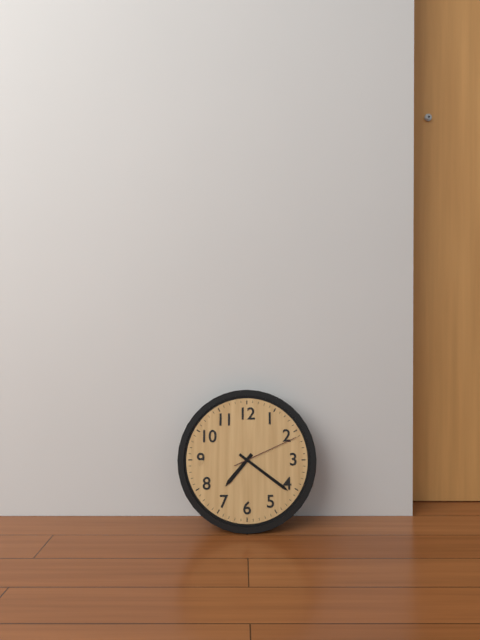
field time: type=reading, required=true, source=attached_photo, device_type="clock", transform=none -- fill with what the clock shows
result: 7:21:11
